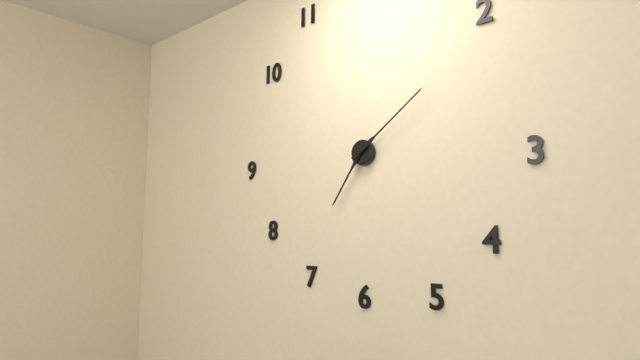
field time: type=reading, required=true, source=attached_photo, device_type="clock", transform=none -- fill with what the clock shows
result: 7:09
